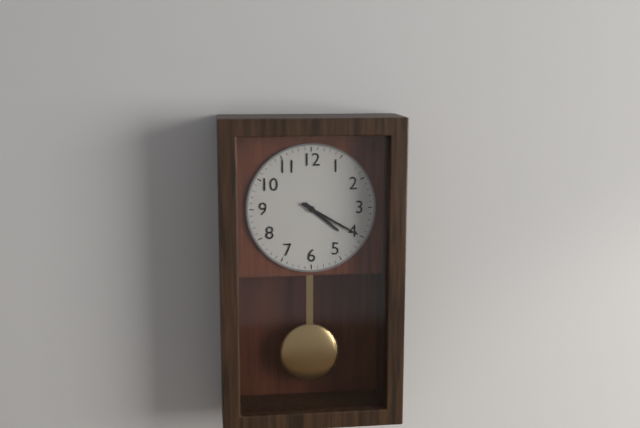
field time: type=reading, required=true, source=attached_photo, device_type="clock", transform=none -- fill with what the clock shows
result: 4:20
